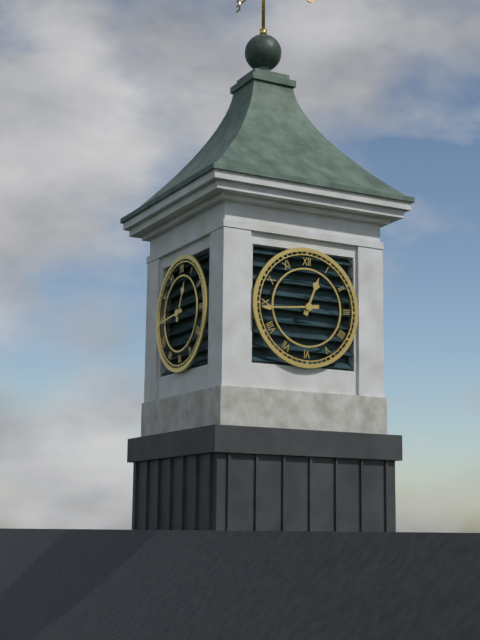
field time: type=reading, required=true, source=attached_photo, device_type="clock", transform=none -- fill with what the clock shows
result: 12:44
